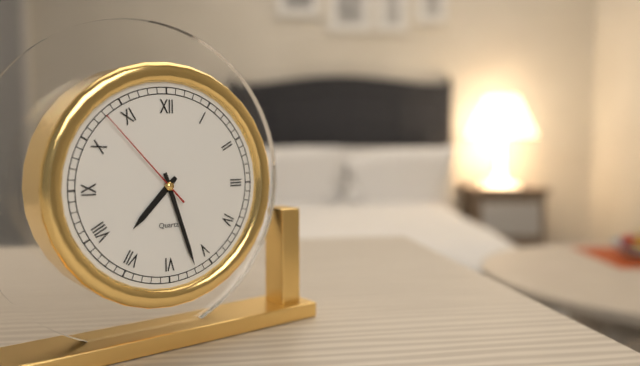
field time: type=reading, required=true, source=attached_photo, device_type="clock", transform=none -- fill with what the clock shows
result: 7:27:53
